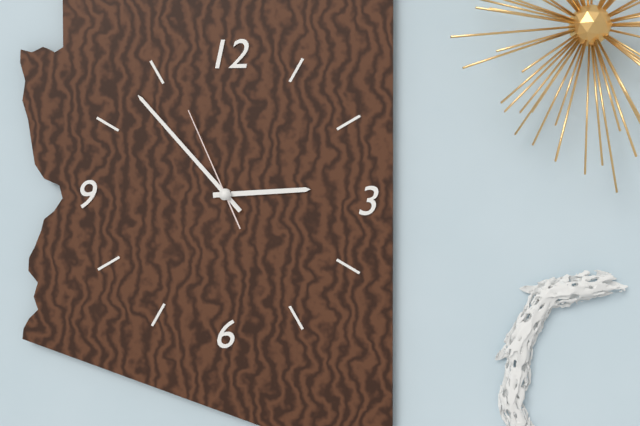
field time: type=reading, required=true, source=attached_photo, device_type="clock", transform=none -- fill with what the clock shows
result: 2:53:56
